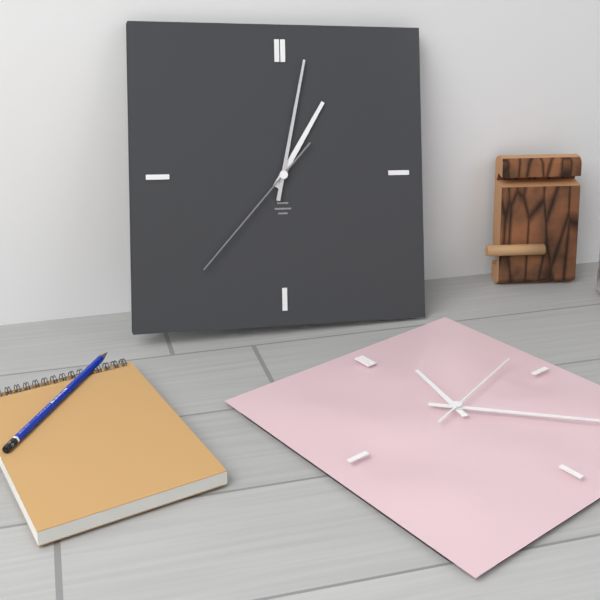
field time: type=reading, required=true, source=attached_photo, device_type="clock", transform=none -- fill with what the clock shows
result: 1:02:37
